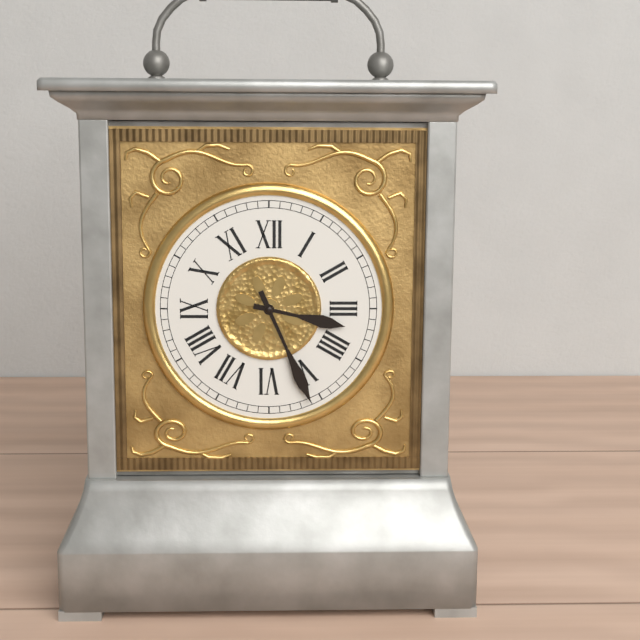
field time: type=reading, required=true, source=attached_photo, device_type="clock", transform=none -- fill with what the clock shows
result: 3:26
